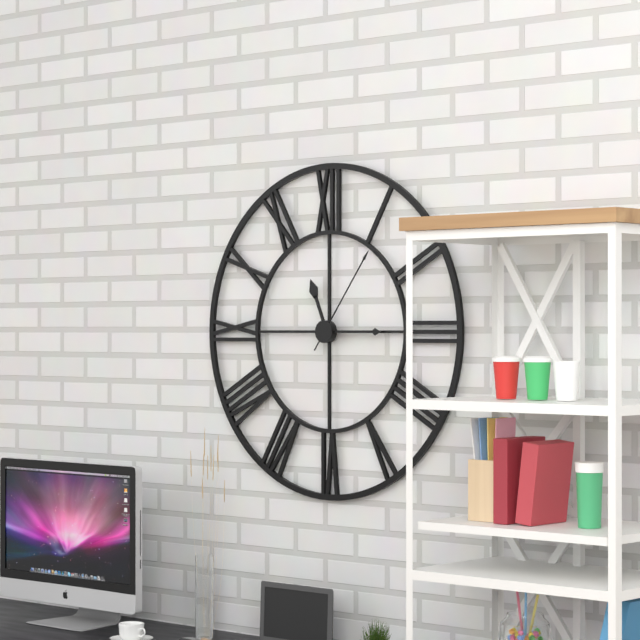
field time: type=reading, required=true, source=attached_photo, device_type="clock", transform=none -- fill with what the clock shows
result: 11:15:06
